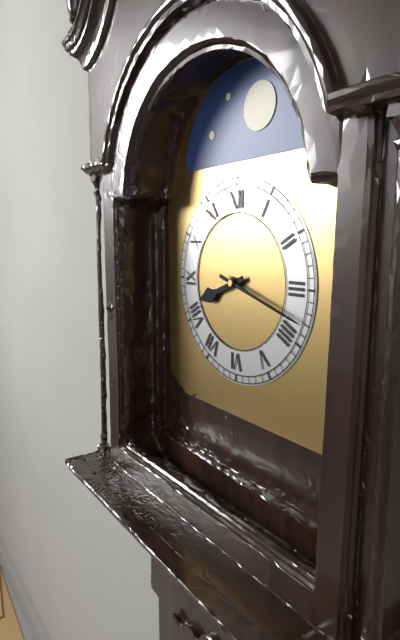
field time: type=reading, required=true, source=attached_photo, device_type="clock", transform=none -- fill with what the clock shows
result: 8:18
